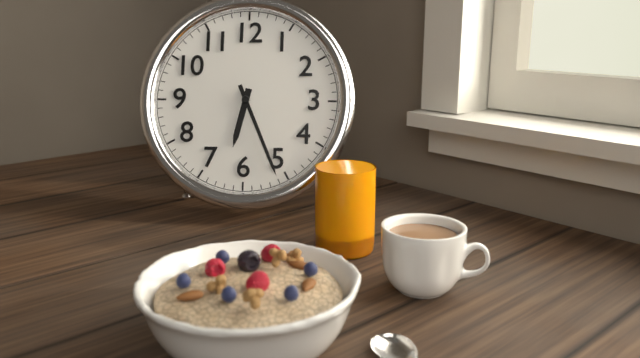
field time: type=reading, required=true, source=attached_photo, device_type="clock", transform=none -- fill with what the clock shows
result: 6:26
